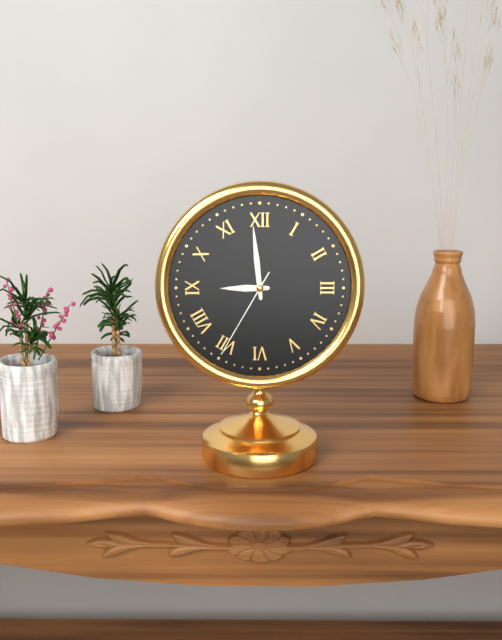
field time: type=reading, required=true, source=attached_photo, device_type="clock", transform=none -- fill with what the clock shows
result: 8:59:35
